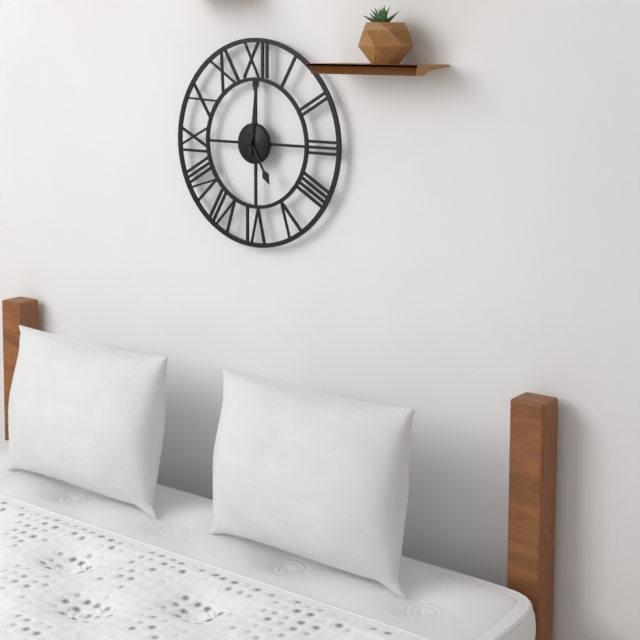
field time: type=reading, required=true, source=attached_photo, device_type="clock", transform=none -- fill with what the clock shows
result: 5:01
